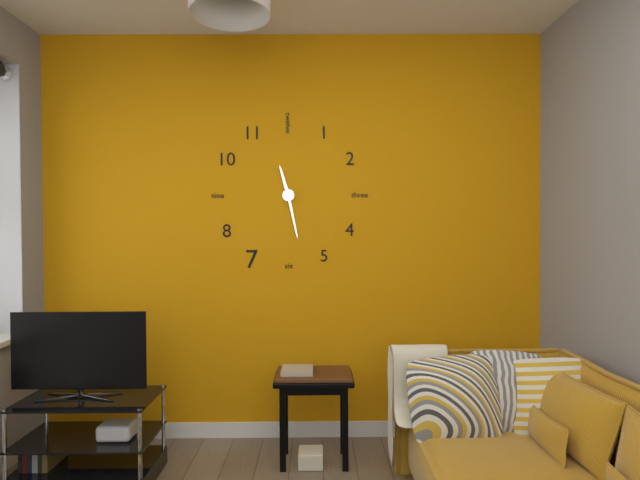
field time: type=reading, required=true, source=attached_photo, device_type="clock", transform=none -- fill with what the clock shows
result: 11:28
